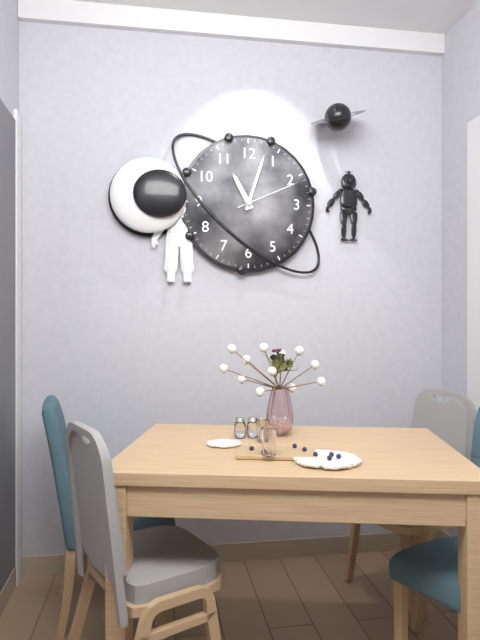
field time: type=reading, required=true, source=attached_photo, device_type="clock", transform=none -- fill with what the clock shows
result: 11:03:11
